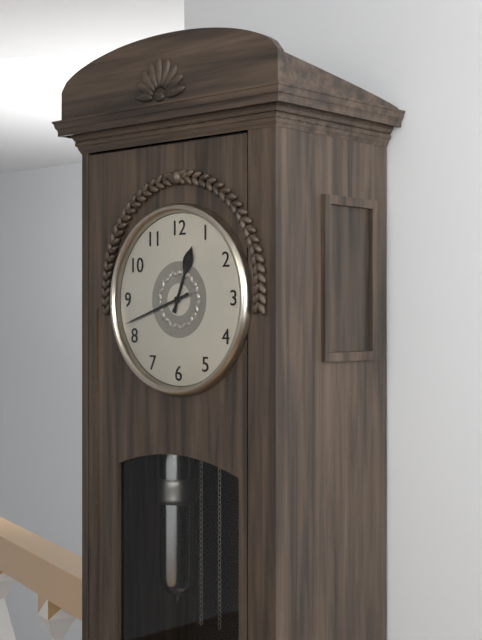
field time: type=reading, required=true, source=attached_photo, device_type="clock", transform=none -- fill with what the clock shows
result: 12:42
